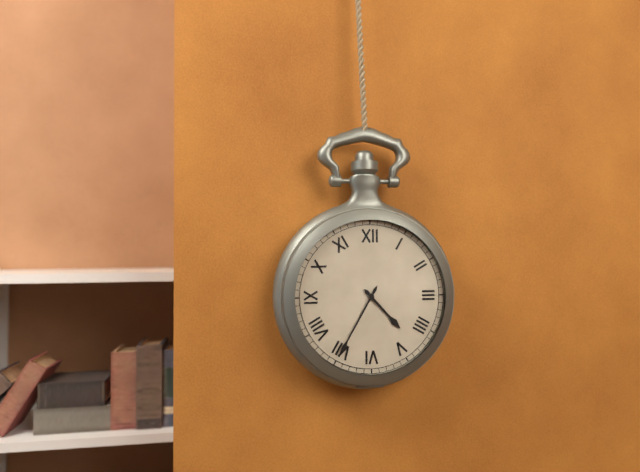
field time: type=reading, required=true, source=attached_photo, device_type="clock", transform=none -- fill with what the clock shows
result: 4:35
